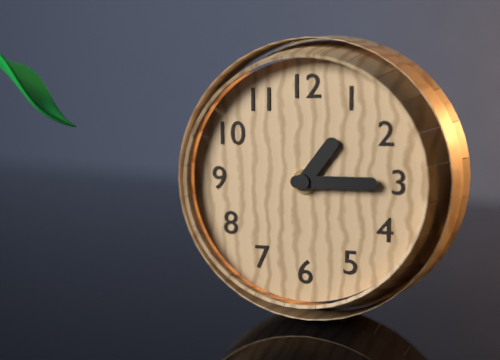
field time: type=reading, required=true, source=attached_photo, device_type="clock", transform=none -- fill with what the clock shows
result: 1:15
